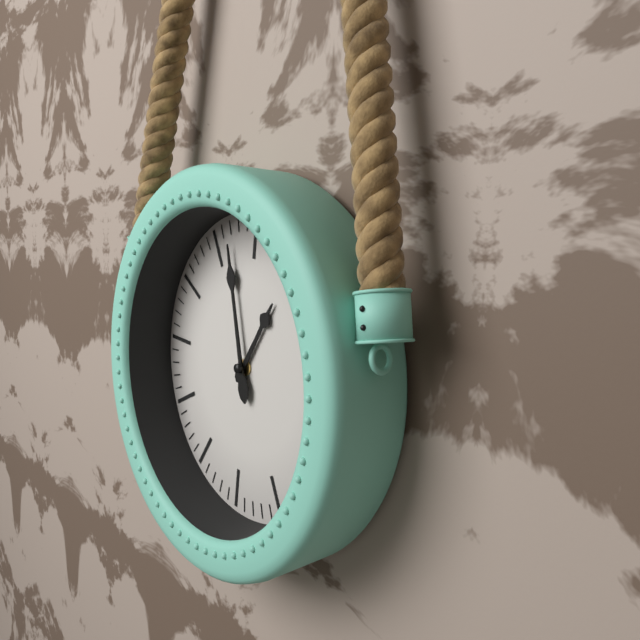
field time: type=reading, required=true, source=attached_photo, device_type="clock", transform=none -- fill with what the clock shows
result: 12:57
